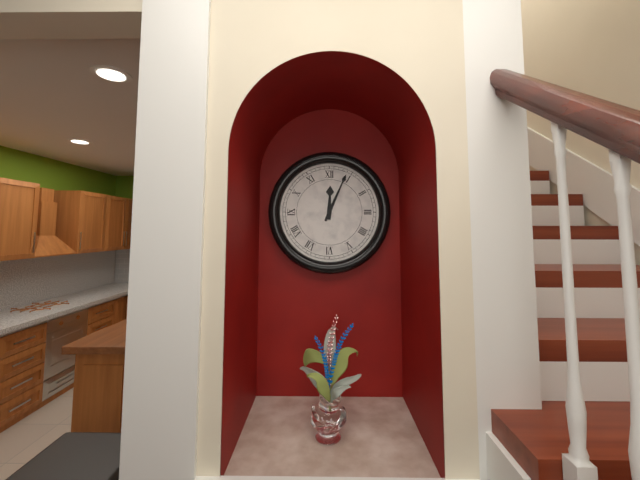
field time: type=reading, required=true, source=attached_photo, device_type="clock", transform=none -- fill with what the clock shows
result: 12:04
